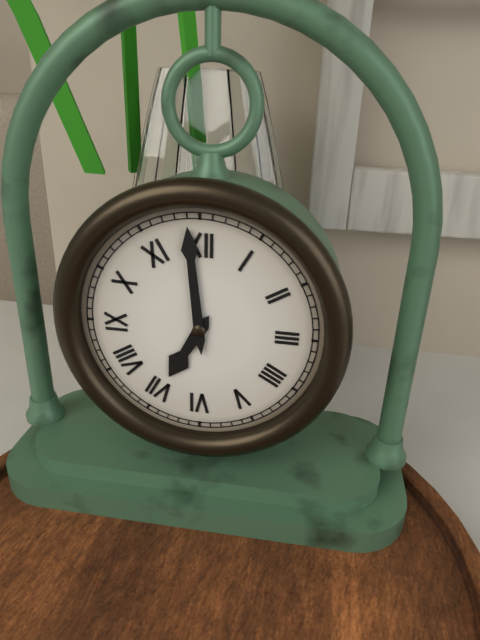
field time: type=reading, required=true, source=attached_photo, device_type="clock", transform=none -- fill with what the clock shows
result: 6:59
